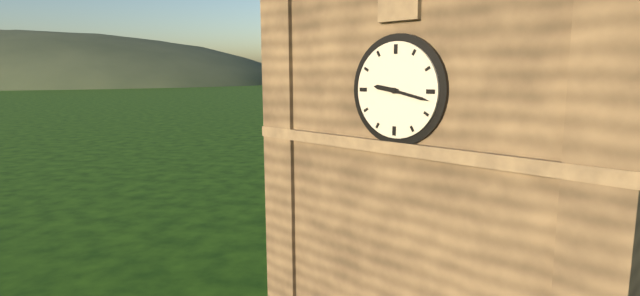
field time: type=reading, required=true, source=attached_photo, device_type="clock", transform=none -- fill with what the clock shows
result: 9:17
